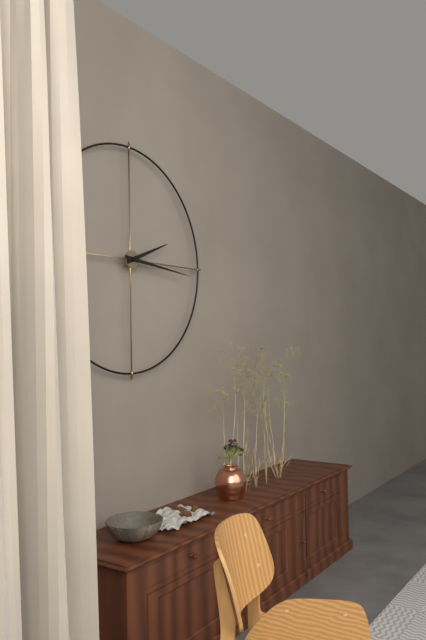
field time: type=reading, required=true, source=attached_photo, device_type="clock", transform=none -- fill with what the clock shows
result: 2:16
